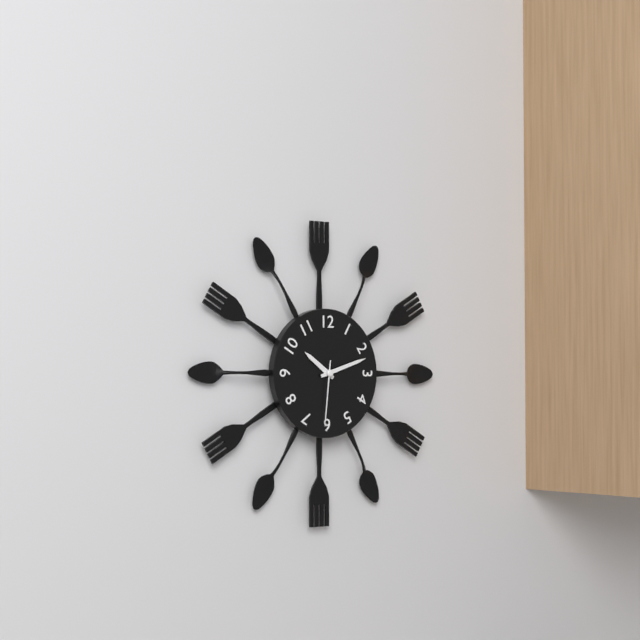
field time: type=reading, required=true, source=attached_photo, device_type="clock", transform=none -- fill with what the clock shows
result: 10:12:31
